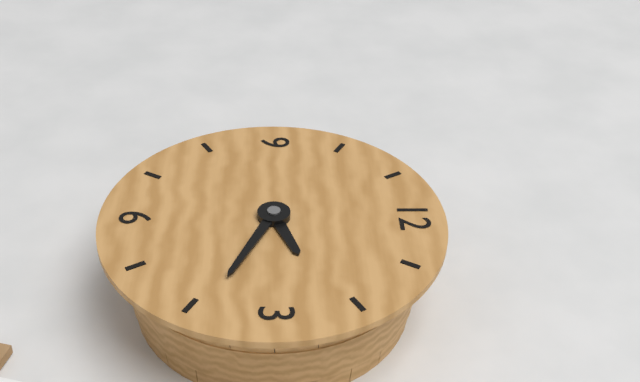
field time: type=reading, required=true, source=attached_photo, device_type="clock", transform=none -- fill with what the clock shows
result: 2:19
